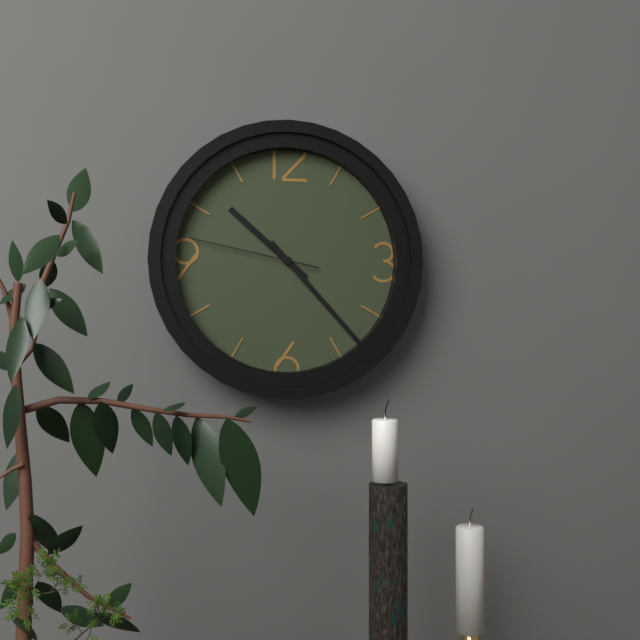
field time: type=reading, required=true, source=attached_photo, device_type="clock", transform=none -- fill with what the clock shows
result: 10:23:47
